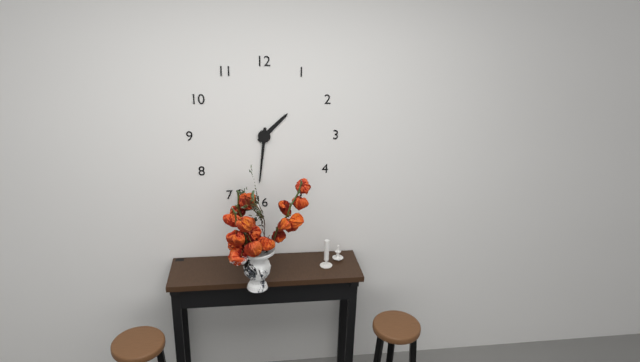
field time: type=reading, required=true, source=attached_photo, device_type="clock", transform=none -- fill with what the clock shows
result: 1:31
